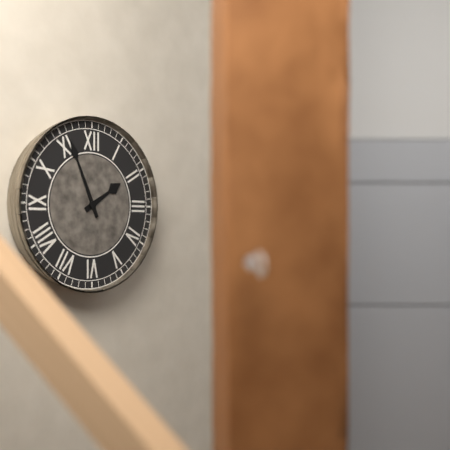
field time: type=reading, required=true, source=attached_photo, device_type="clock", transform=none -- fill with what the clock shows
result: 1:56
